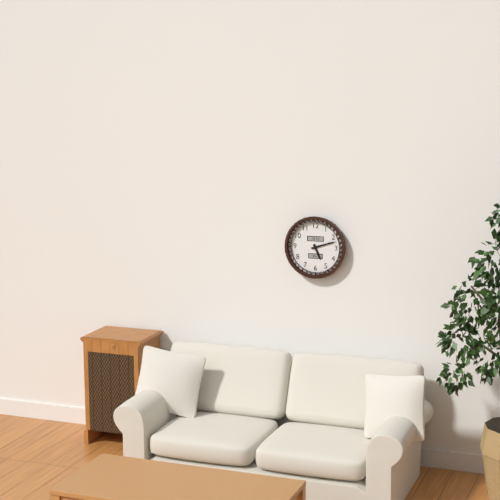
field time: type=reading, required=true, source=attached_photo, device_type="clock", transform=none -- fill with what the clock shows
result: 5:12
